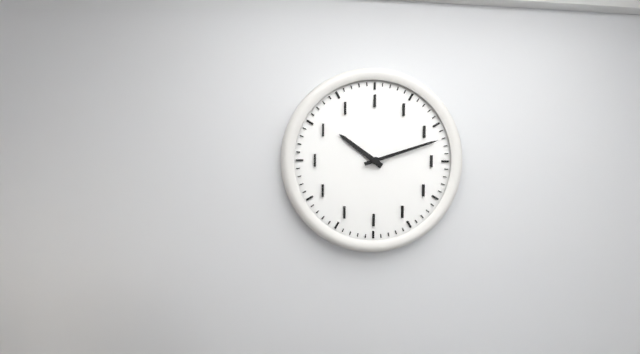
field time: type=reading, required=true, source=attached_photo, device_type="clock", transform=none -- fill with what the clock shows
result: 10:12
